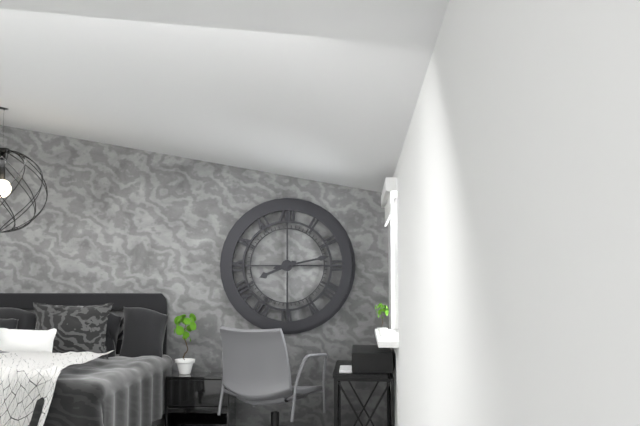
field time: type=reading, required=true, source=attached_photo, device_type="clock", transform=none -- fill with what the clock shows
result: 8:13
